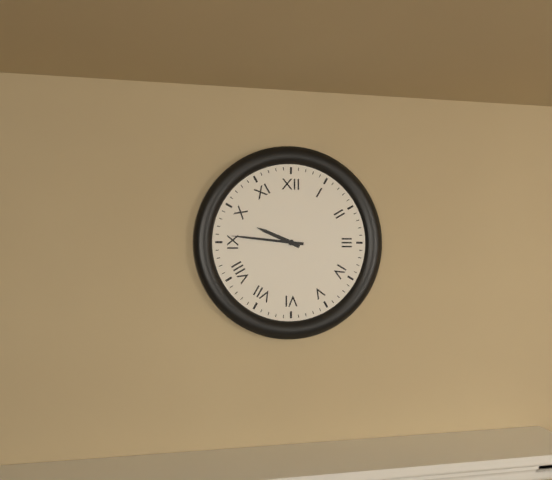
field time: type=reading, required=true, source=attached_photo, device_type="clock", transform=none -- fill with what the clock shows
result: 9:46
